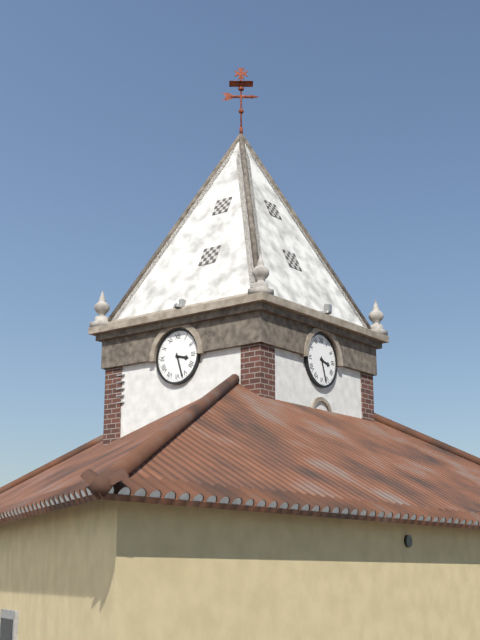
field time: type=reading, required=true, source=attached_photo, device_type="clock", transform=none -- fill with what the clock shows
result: 3:27
